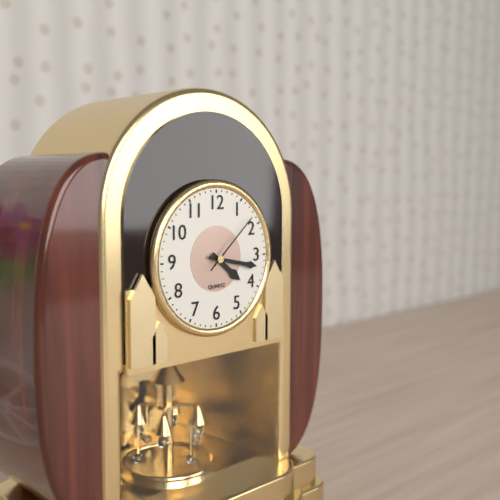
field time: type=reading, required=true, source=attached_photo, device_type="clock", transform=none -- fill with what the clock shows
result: 4:17:08
